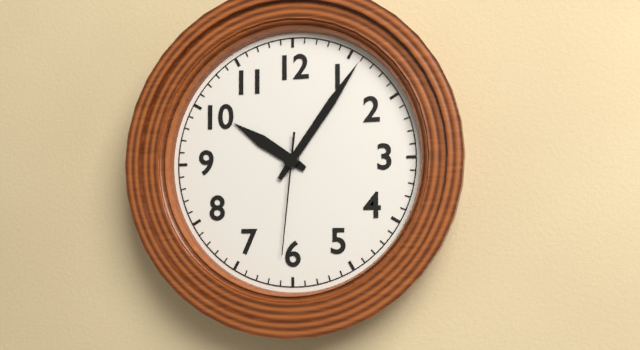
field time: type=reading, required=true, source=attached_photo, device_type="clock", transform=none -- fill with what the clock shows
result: 10:06:31
